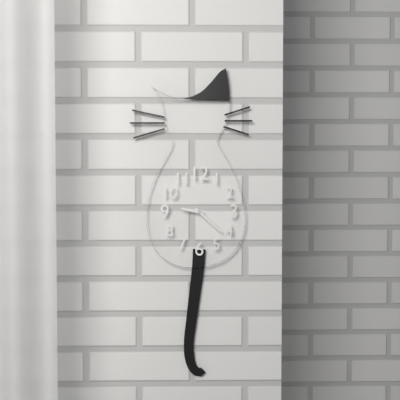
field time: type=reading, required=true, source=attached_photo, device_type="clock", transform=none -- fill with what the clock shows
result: 9:22
